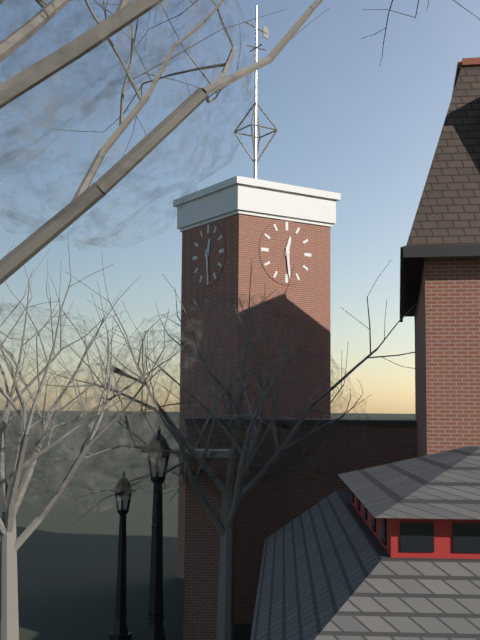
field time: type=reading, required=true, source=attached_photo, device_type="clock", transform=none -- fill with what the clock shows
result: 12:29
